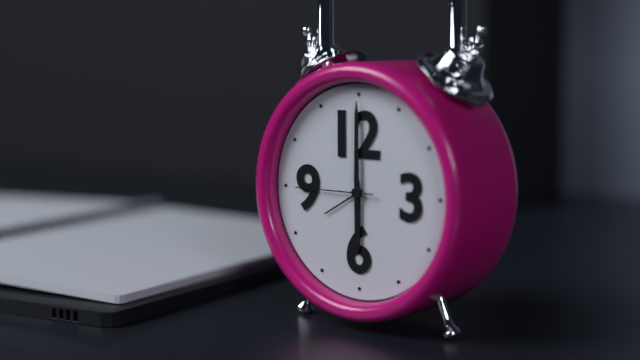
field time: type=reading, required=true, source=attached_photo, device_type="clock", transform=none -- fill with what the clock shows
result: 6:00:45
